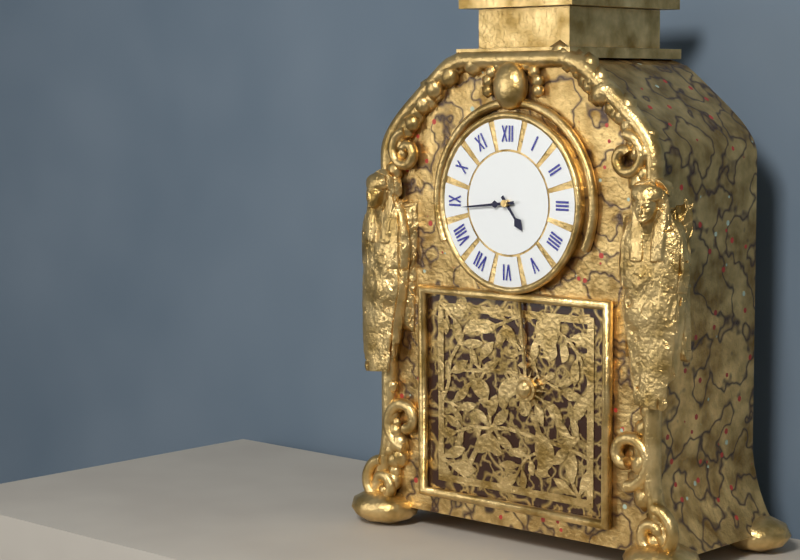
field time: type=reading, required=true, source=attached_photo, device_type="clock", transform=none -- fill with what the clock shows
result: 4:44
